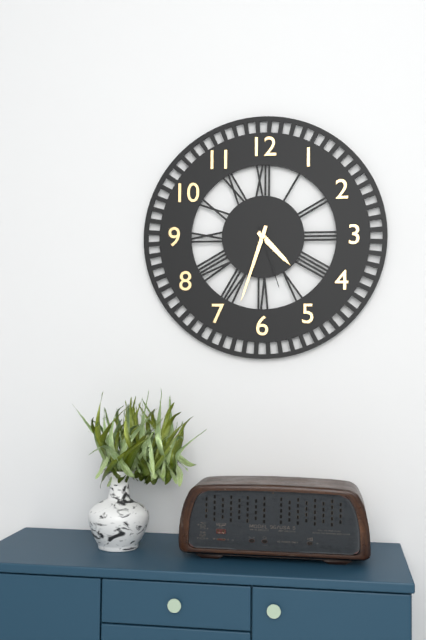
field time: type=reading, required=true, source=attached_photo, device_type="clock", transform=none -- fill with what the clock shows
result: 4:33:27
